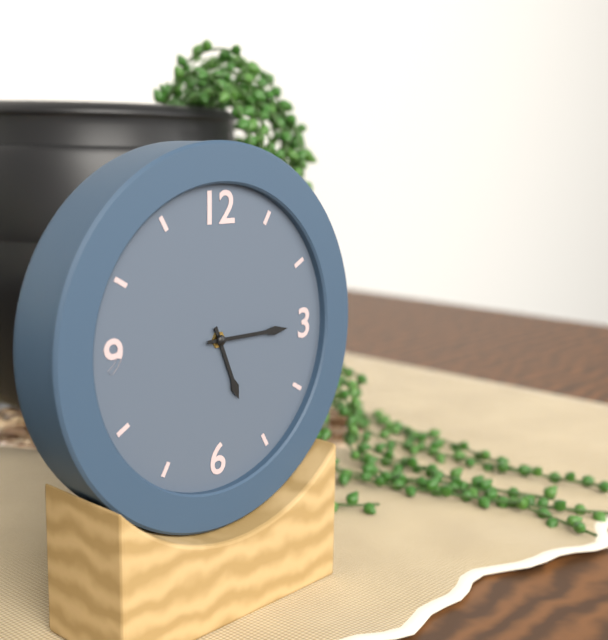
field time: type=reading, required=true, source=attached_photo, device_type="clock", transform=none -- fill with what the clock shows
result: 5:15
